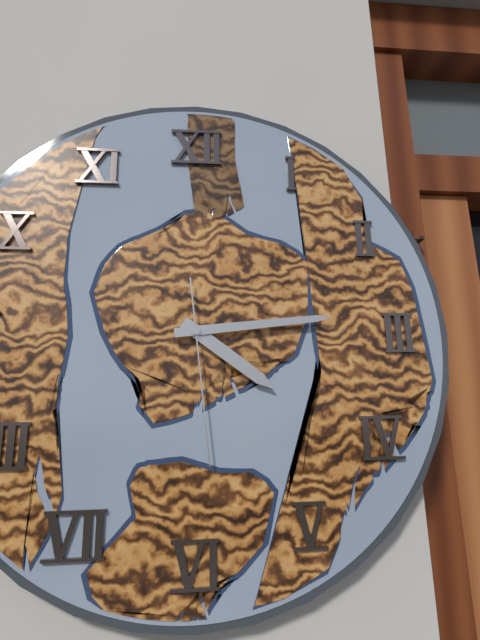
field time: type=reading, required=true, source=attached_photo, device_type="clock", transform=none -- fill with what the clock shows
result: 4:14:29
